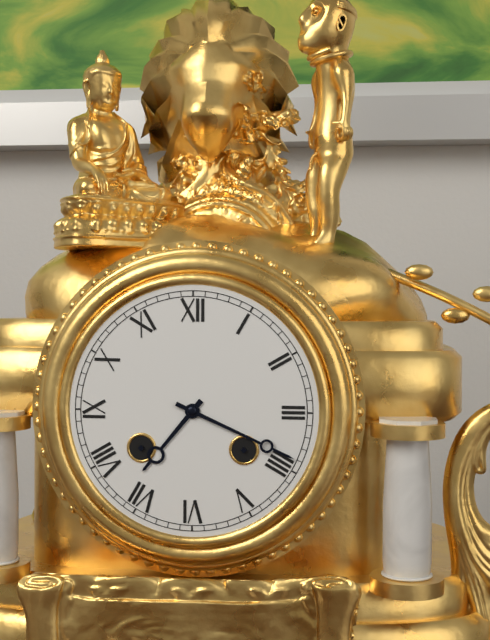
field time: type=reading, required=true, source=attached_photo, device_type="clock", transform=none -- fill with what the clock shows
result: 7:19
